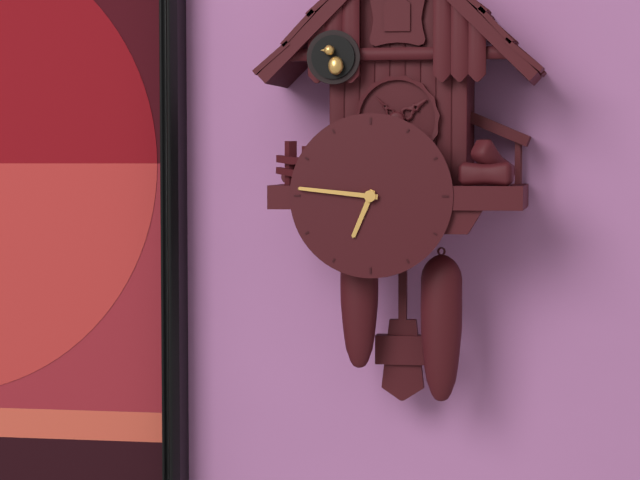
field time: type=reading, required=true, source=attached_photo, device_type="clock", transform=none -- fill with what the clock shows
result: 6:46
